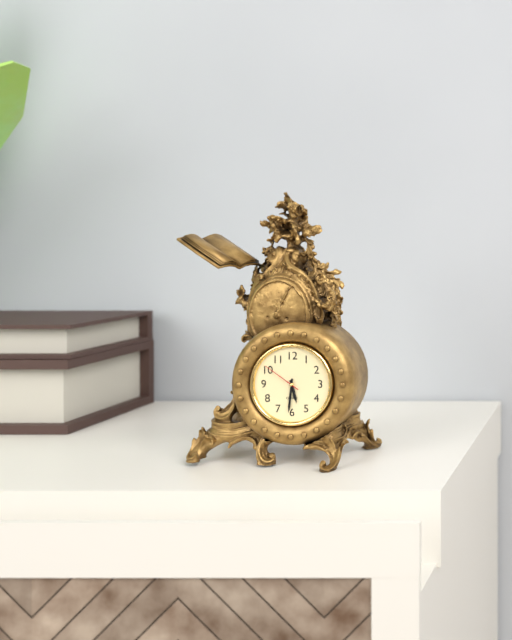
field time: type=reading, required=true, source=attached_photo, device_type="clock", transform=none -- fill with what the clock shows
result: 5:31
